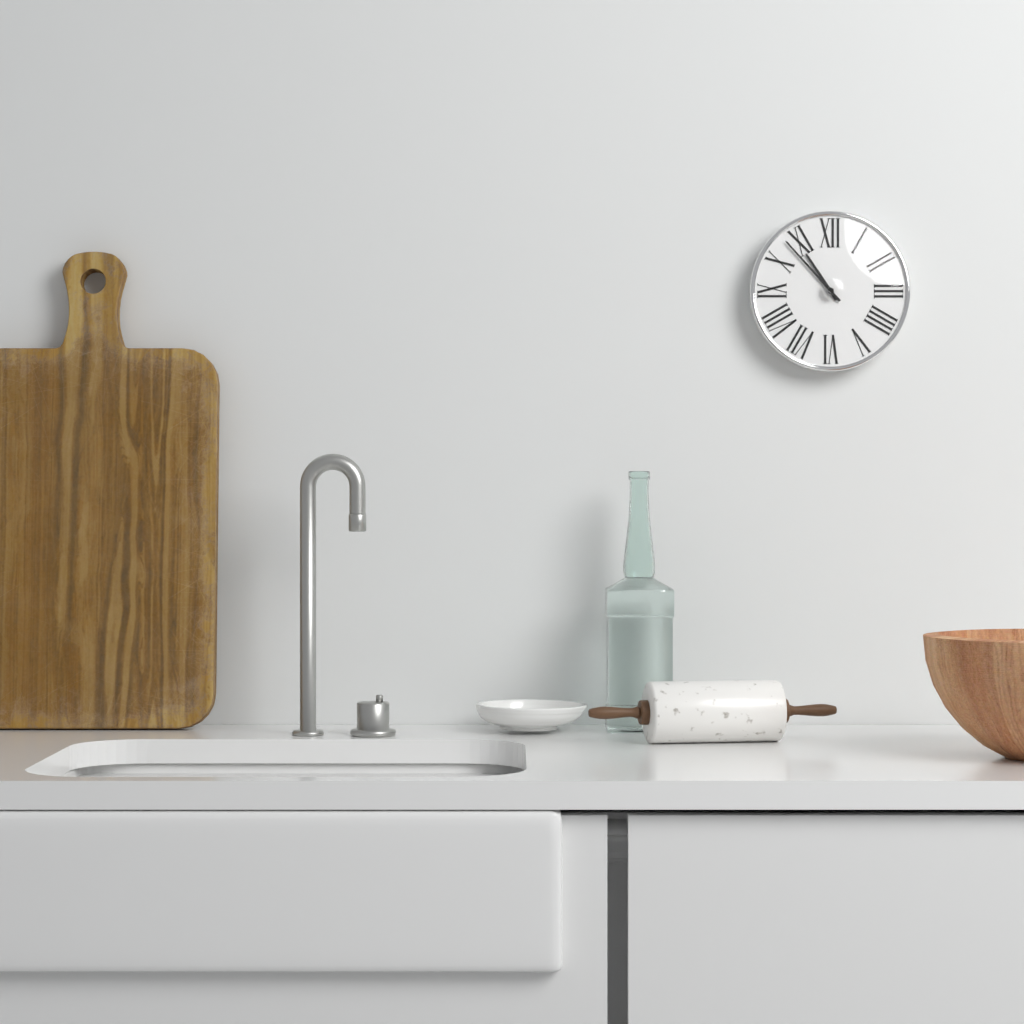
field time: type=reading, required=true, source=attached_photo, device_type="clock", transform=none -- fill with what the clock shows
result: 10:53
